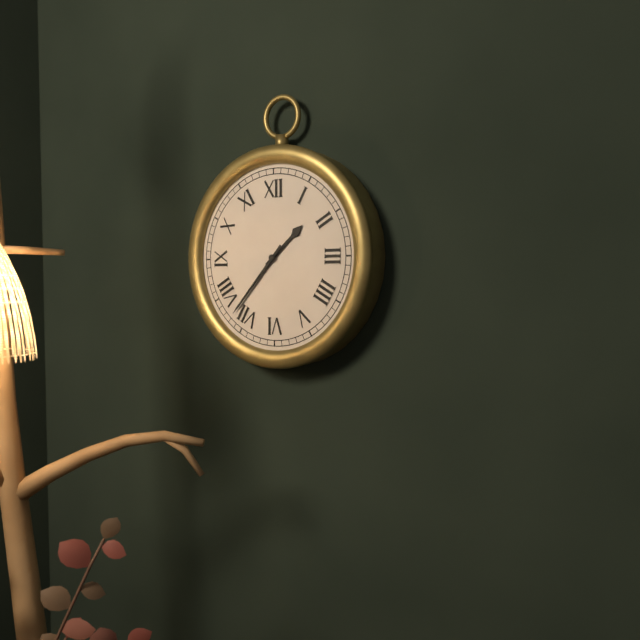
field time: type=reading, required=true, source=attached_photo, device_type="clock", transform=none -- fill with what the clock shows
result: 1:37
